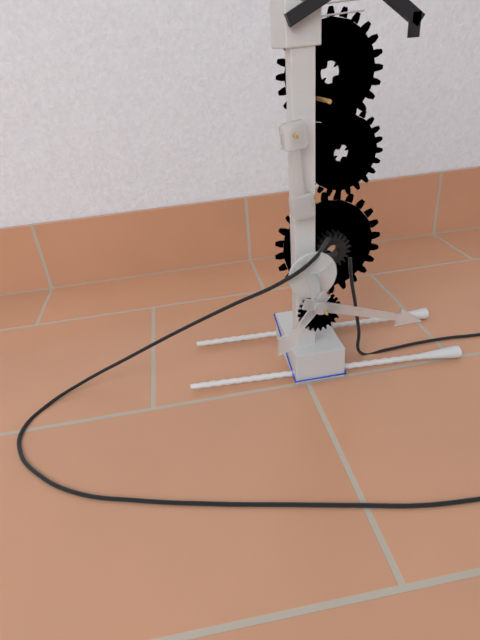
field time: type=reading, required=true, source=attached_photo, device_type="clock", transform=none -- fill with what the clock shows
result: 7:18
